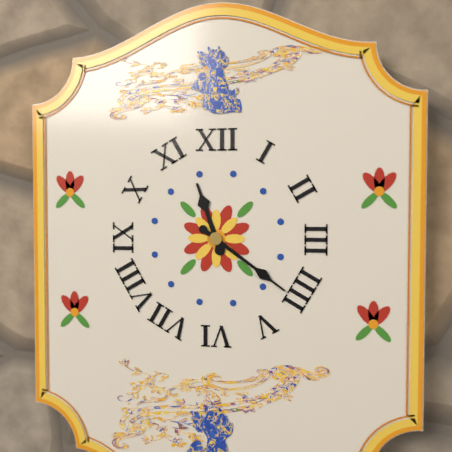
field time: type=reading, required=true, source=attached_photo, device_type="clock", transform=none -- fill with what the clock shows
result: 11:21
